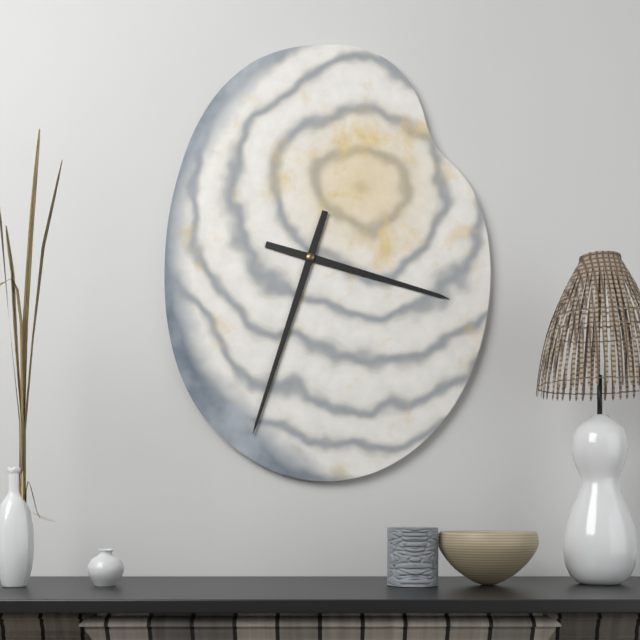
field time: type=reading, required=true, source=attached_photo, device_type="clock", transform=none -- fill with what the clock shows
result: 3:33
